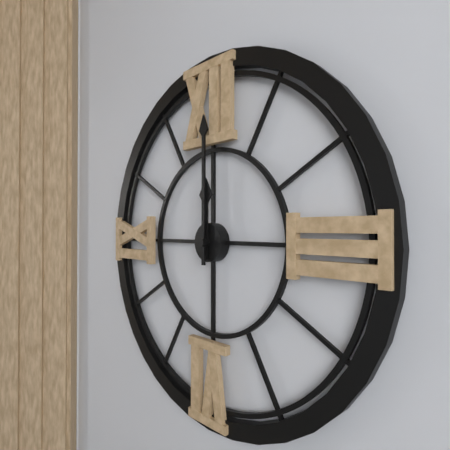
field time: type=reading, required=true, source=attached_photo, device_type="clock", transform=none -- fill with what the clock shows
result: 12:00
